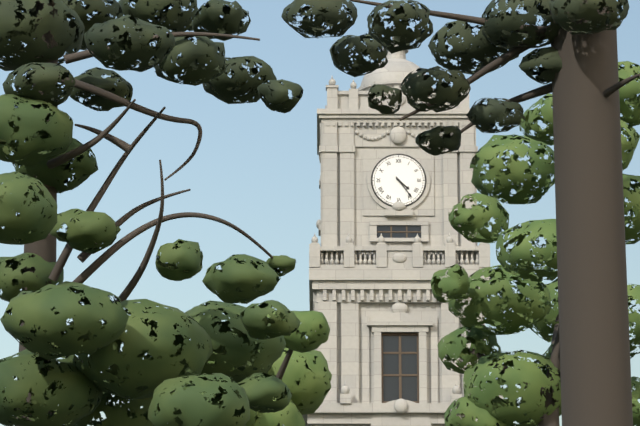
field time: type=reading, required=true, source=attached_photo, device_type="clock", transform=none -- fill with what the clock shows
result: 4:24
